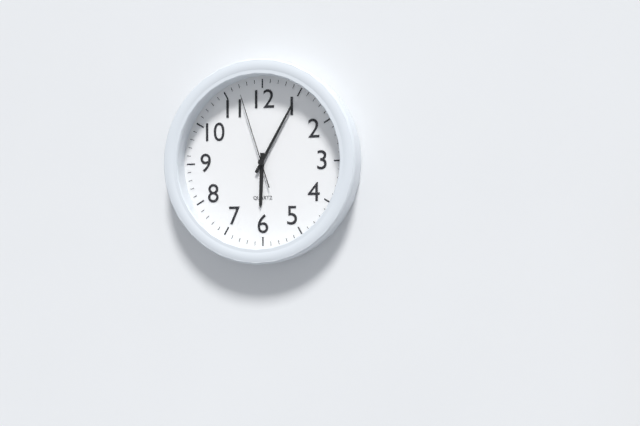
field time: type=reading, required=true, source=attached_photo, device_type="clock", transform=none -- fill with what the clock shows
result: 6:05:57
